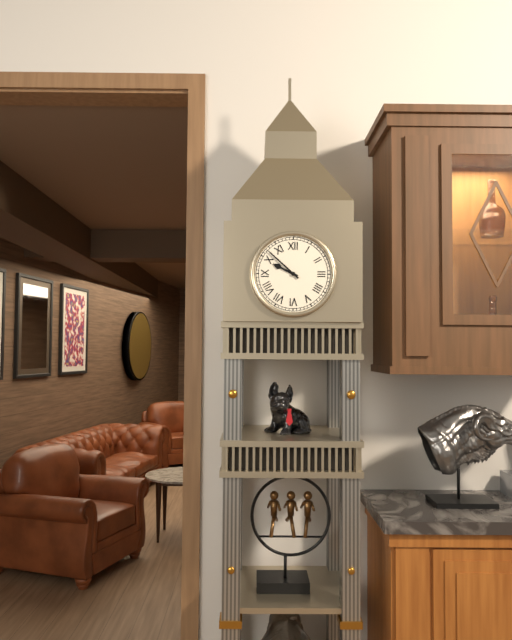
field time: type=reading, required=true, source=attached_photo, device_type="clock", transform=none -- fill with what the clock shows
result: 9:52
